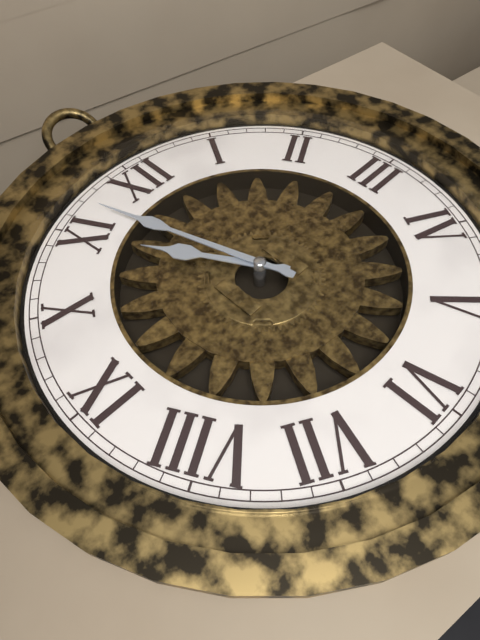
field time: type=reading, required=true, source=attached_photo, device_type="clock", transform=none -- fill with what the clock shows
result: 10:57
